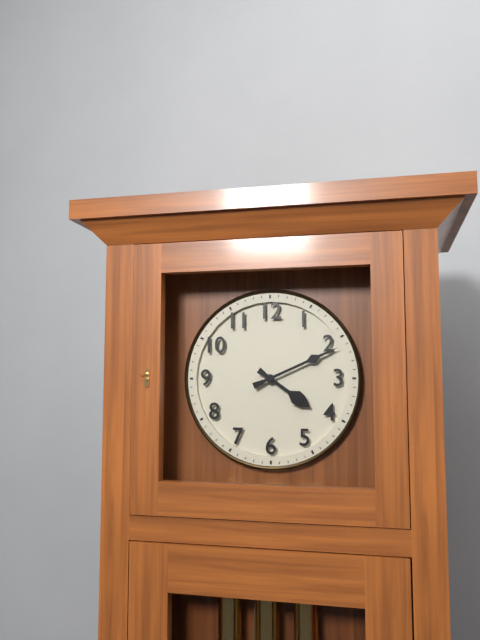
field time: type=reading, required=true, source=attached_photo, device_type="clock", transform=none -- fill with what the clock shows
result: 4:11
